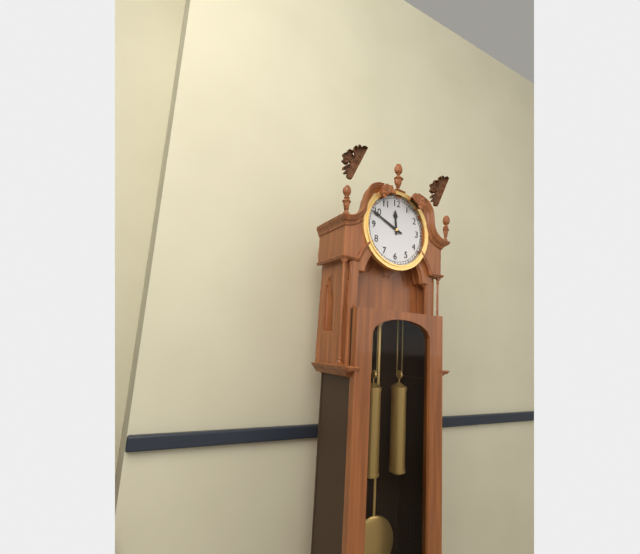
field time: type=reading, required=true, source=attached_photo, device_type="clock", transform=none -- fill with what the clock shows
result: 11:49
